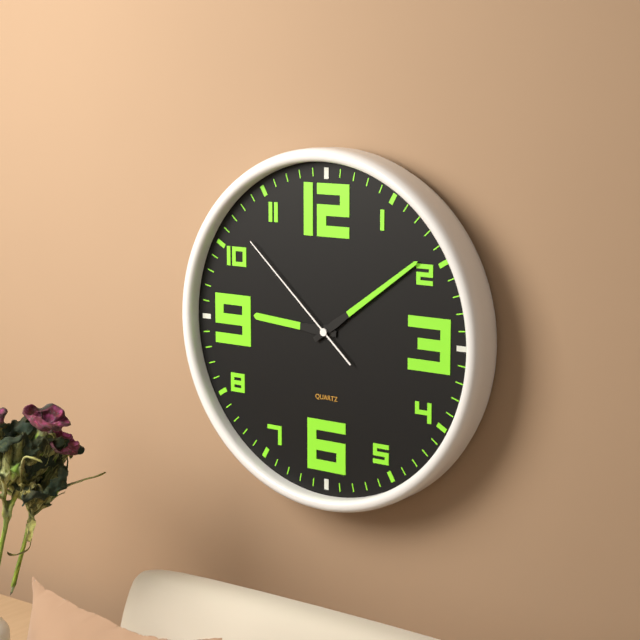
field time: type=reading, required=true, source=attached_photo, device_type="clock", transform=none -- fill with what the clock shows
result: 9:09:52
